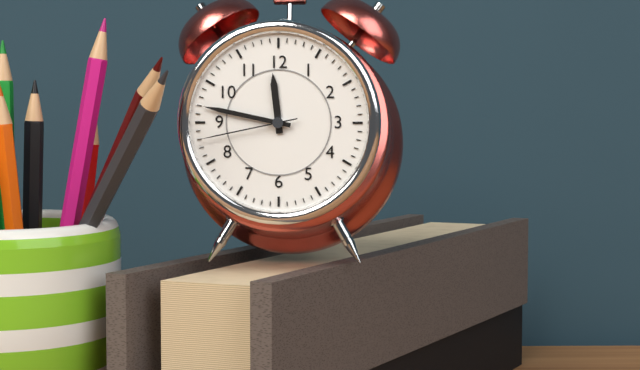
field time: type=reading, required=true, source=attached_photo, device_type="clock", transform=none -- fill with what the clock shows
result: 11:47:43
